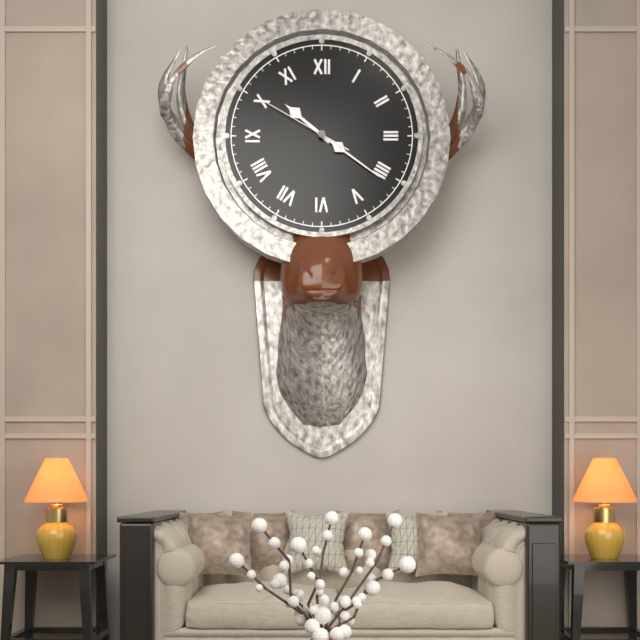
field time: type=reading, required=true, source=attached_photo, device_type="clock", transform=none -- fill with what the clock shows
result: 10:21:50
